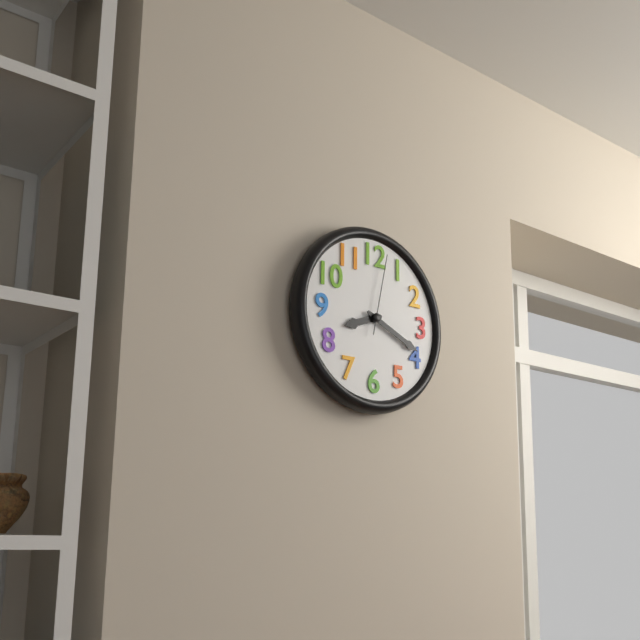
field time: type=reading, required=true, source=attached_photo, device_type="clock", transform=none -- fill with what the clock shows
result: 8:19:02
